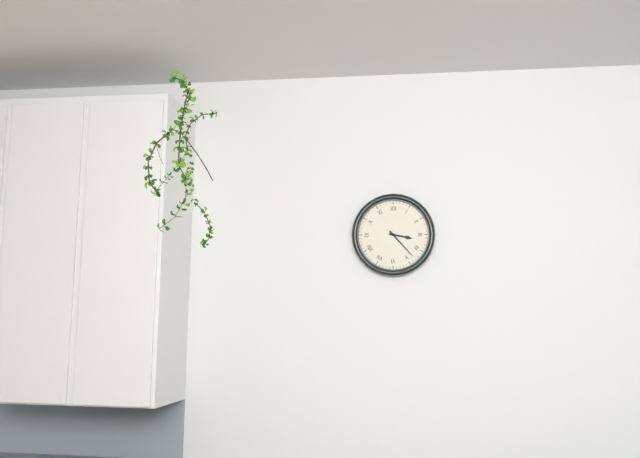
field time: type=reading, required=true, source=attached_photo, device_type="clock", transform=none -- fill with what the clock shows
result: 3:23
